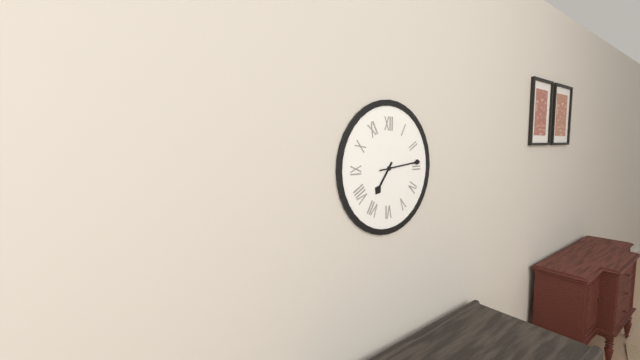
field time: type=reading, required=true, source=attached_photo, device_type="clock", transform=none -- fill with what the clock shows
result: 7:14
